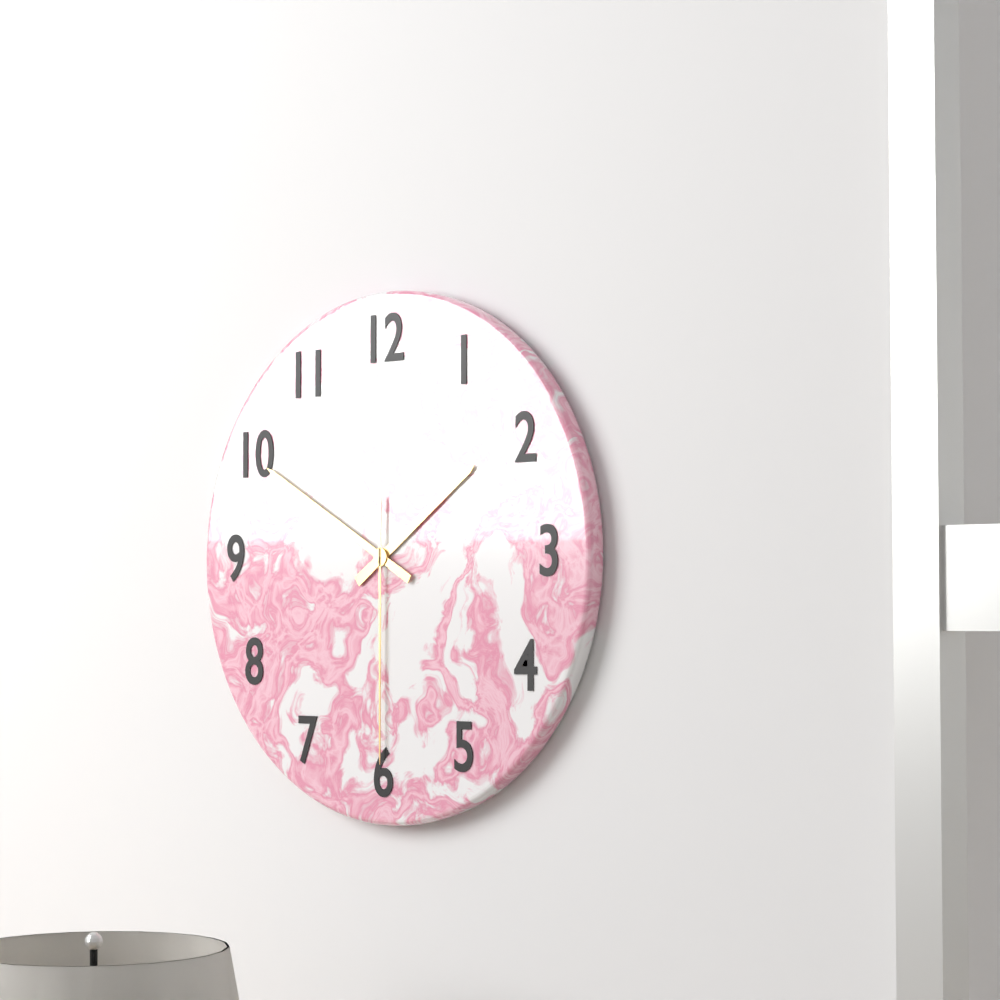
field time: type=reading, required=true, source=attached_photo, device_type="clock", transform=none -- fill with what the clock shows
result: 1:50:30
